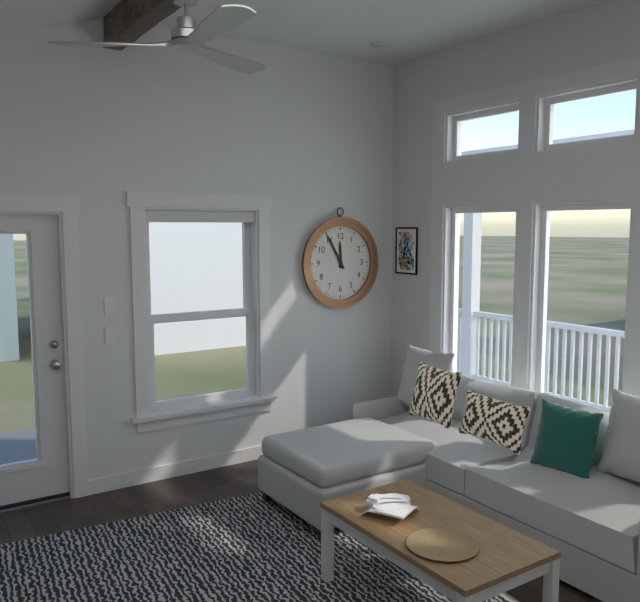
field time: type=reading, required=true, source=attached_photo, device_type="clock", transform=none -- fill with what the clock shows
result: 11:55
